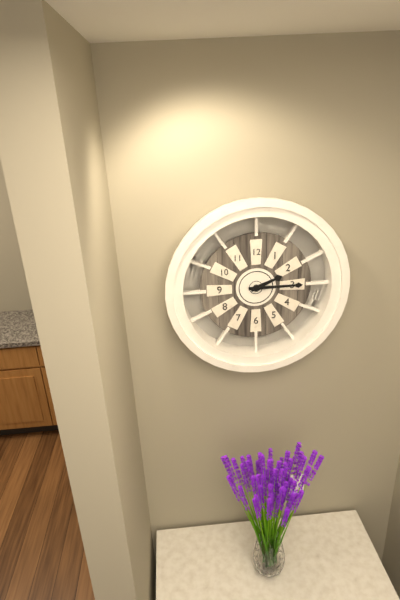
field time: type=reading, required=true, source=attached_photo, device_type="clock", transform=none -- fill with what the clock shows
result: 2:15
